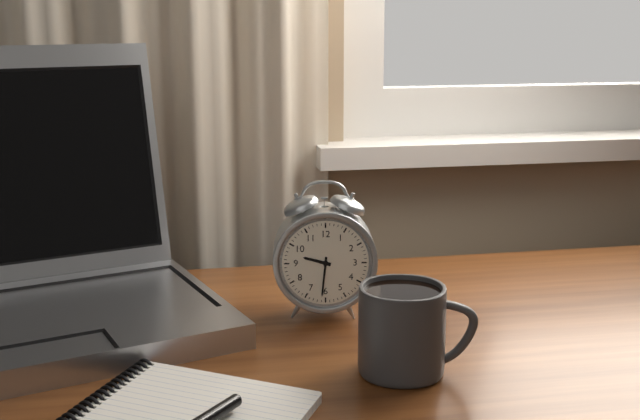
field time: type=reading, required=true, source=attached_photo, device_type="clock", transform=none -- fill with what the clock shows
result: 9:31
